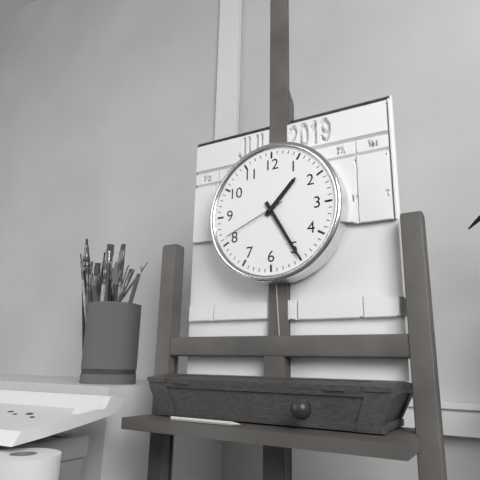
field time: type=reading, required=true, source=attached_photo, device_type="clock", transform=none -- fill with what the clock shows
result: 1:25:41
